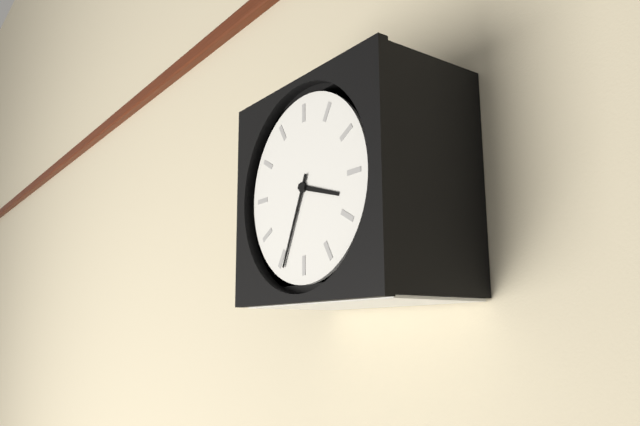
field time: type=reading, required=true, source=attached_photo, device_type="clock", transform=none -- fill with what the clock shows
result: 3:34
